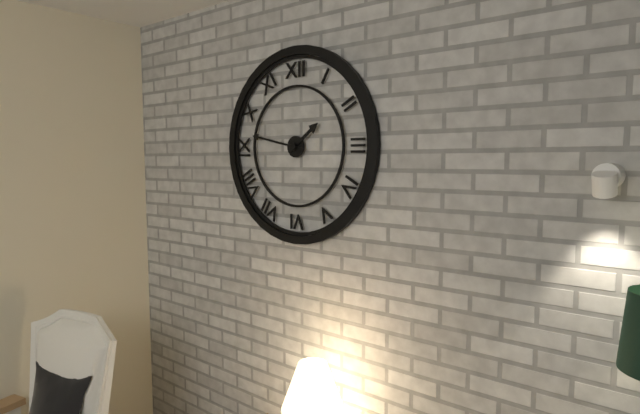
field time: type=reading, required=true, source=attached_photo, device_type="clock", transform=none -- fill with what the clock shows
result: 1:47
